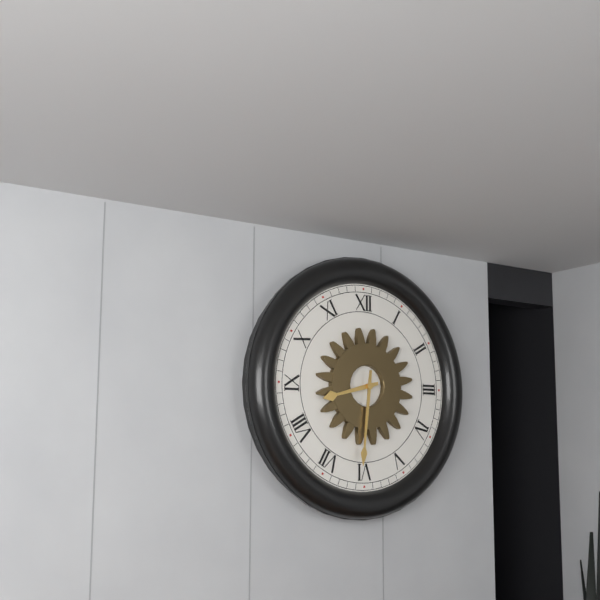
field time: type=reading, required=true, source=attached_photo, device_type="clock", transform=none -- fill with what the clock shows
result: 8:31
